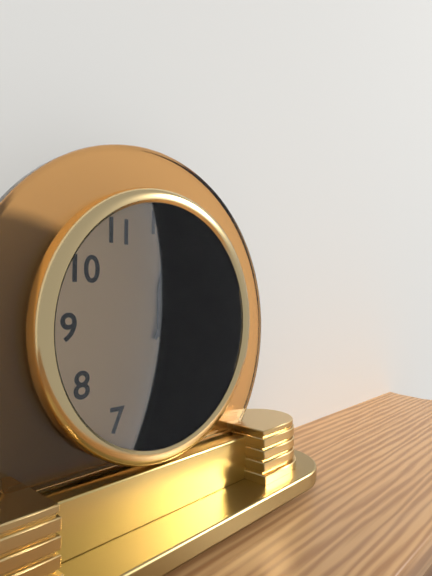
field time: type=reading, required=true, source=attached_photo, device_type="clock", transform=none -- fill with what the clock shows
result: 12:05
